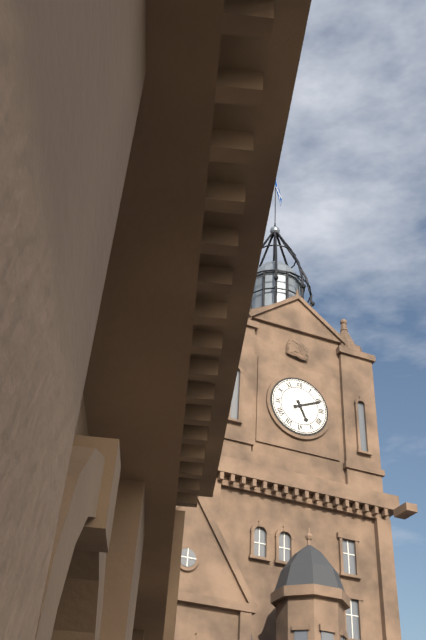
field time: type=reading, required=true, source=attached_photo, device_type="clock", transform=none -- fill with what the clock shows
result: 5:11
